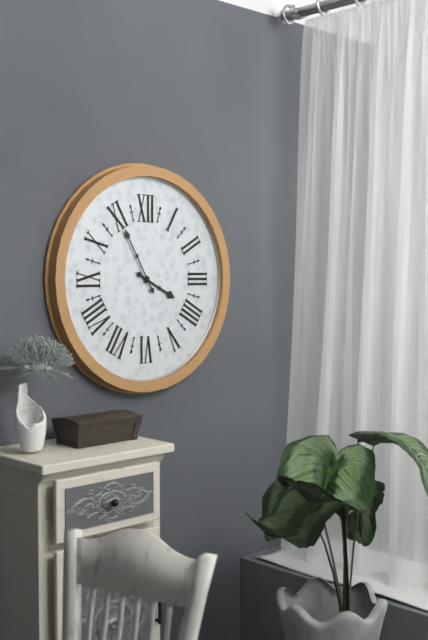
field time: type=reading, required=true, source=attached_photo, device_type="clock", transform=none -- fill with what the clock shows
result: 3:55
